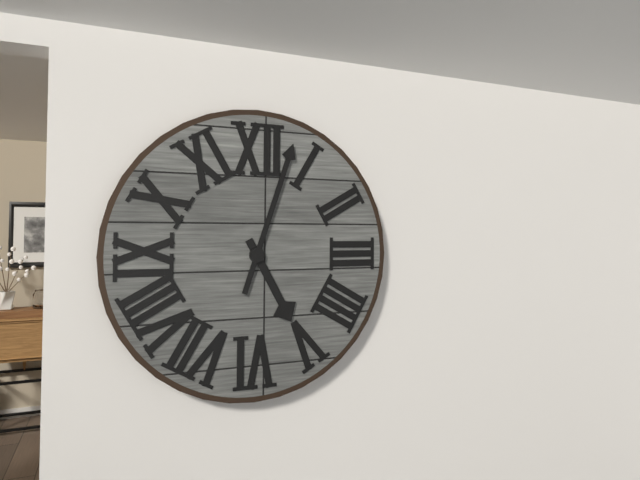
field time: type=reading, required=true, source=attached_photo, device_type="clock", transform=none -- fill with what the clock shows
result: 5:03
